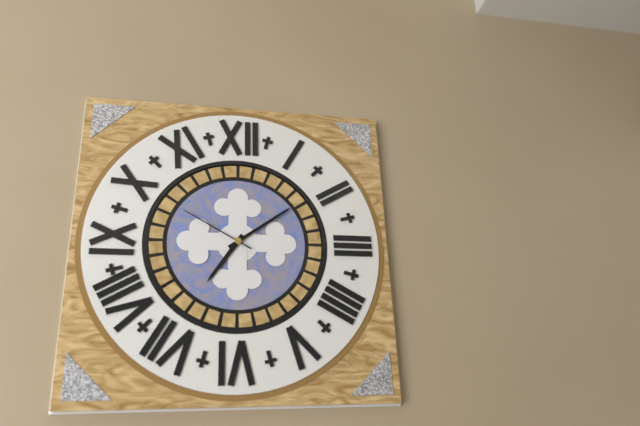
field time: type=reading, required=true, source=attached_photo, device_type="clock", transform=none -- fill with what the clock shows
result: 7:09:50
